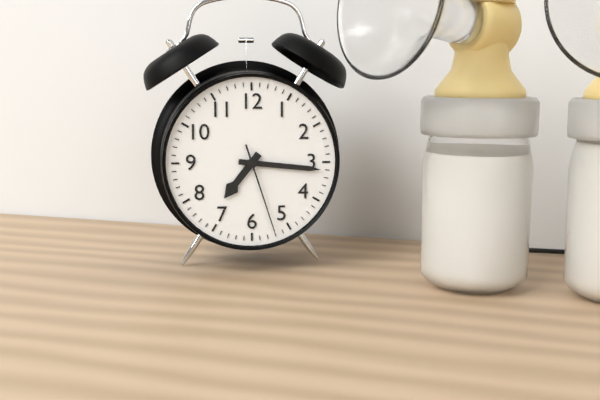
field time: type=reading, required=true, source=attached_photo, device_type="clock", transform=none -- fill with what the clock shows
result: 7:16:27
